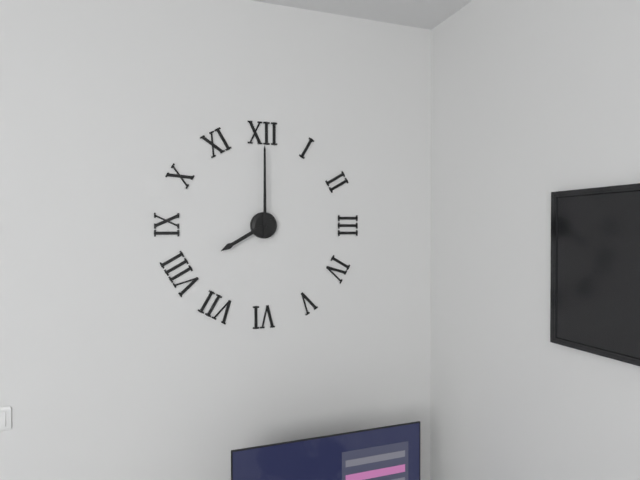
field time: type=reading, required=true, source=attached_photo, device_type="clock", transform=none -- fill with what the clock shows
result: 8:00
